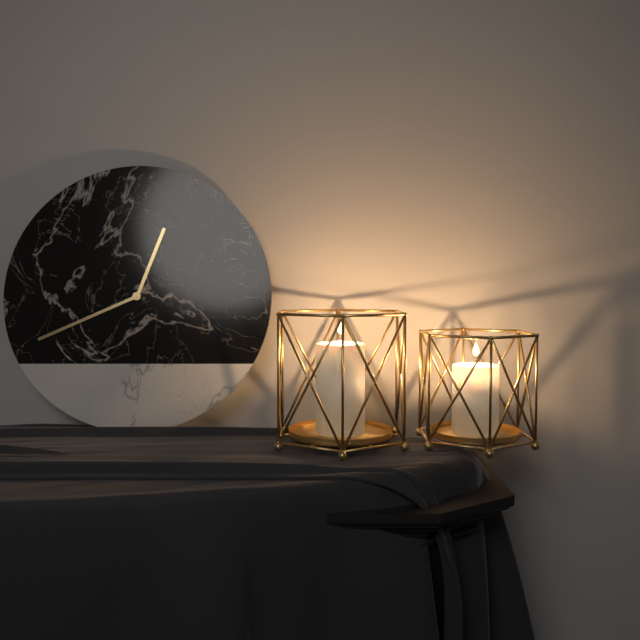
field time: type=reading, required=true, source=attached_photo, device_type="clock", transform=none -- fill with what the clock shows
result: 12:41
